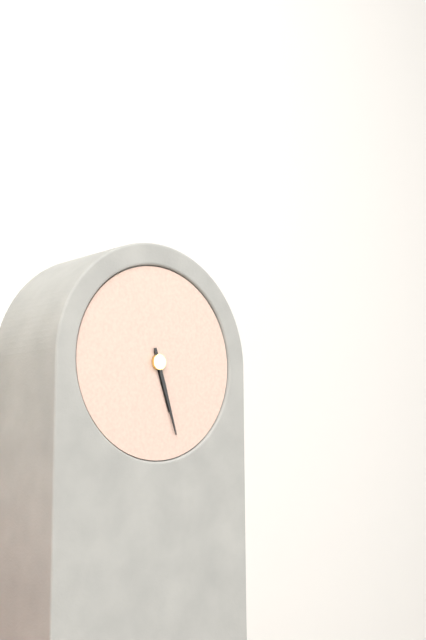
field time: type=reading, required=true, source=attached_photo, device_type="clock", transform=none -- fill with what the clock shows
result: 5:27
